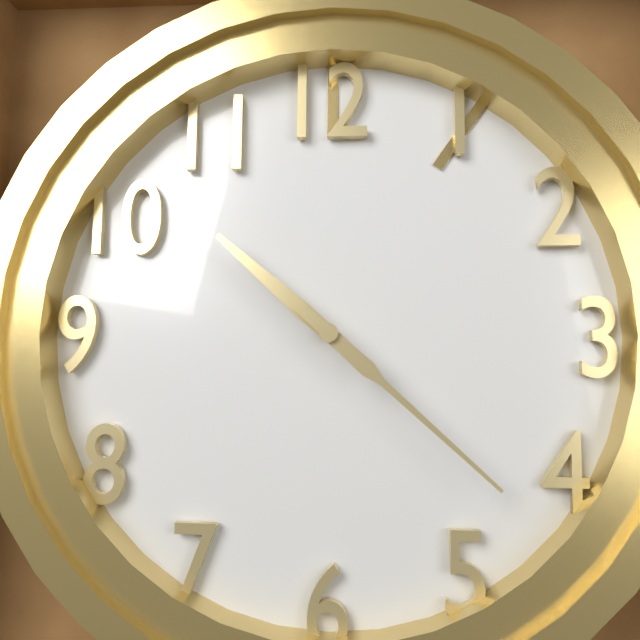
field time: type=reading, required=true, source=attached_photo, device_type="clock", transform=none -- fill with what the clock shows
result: 10:22
